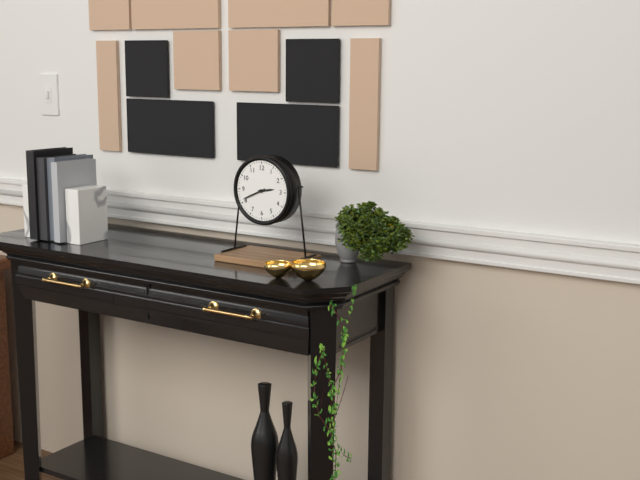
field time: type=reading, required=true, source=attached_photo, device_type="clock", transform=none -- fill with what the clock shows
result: 2:41
